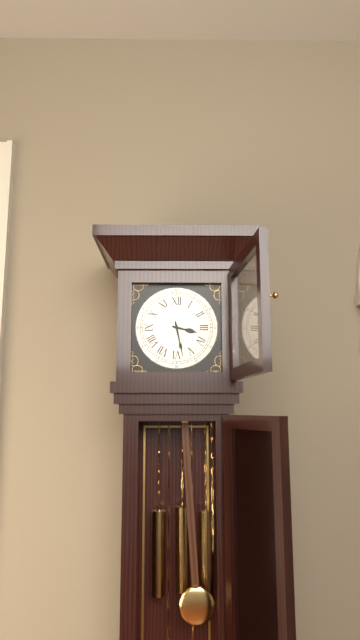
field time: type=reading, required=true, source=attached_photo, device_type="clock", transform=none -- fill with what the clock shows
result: 3:28
